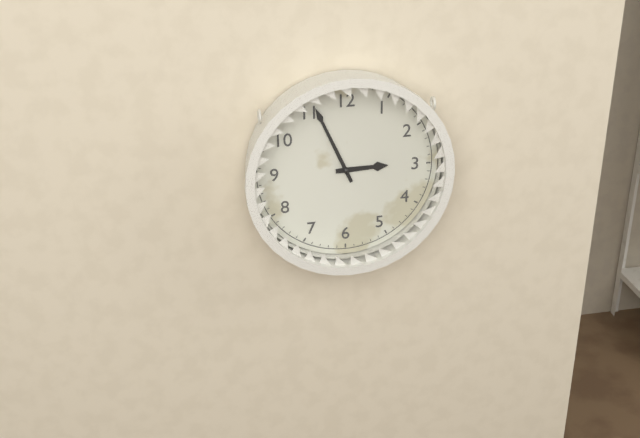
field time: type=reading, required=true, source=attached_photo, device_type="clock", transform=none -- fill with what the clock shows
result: 2:56
